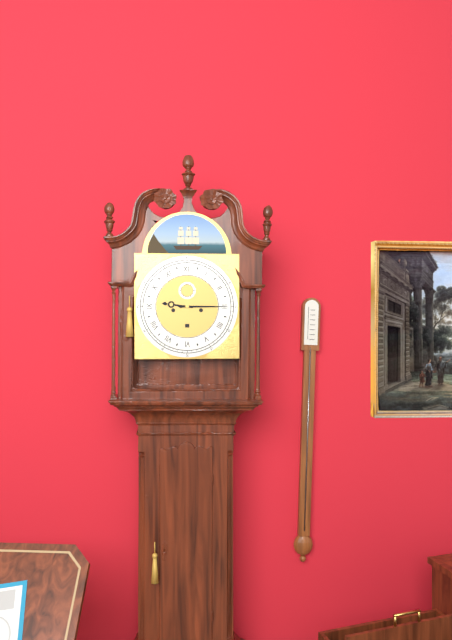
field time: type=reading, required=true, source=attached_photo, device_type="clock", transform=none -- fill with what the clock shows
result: 9:15
